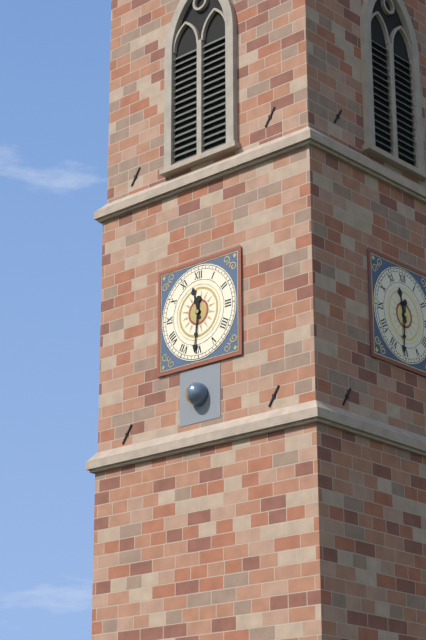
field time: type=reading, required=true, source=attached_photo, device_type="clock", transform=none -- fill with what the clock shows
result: 11:31
